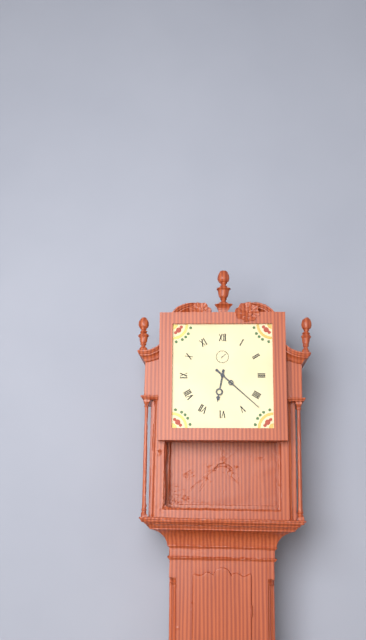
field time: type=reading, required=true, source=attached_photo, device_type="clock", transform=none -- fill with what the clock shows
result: 6:22
